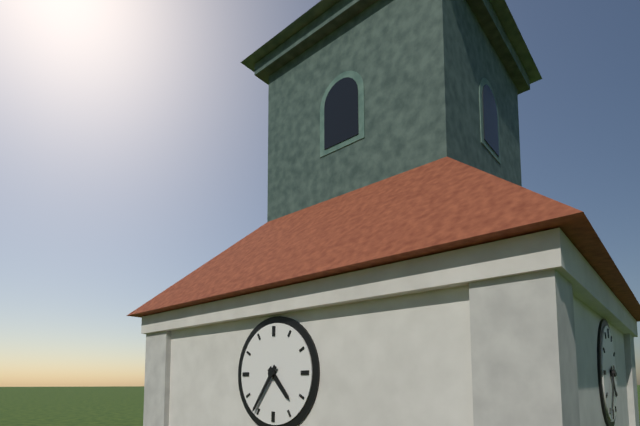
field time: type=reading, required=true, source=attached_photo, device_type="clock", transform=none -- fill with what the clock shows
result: 4:36
